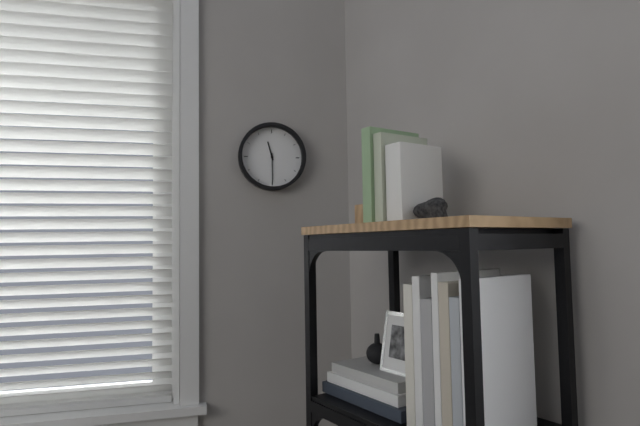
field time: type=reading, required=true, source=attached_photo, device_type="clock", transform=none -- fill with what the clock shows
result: 11:30
